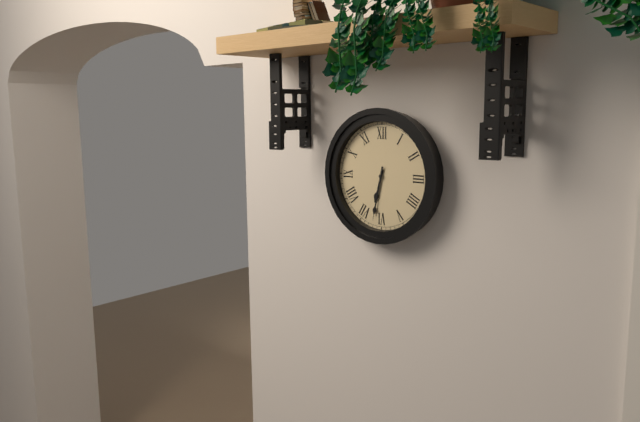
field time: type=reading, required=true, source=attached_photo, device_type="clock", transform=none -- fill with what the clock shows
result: 6:32
